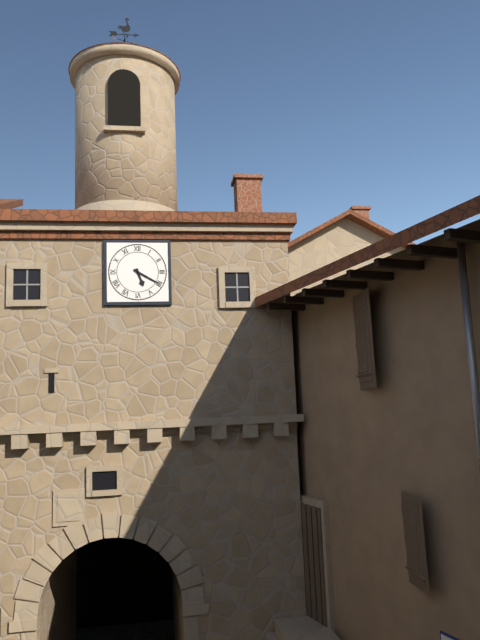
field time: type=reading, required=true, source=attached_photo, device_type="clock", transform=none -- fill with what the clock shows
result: 5:20
